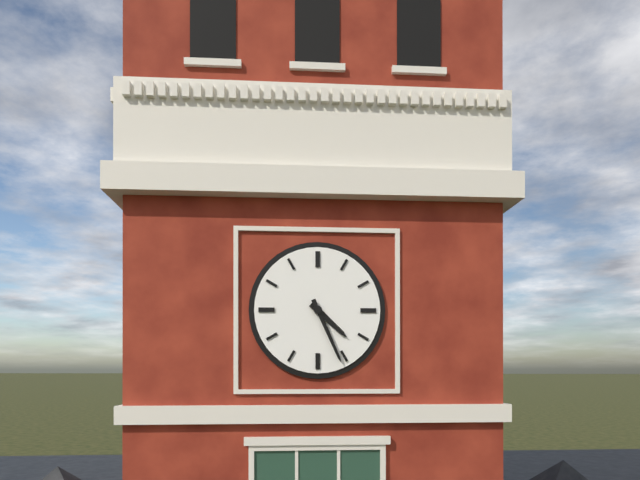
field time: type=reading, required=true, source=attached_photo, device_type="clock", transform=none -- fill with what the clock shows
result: 4:26
